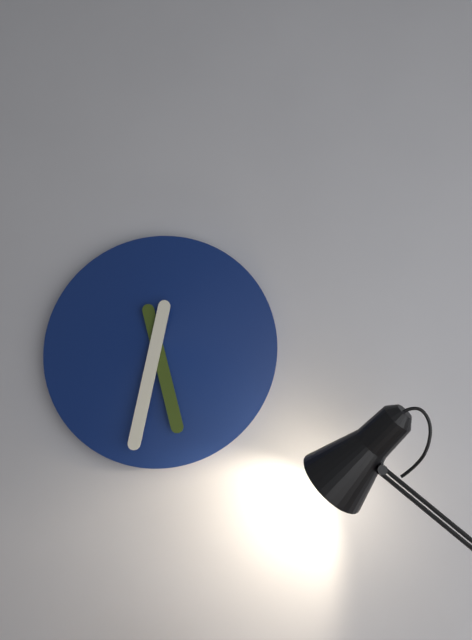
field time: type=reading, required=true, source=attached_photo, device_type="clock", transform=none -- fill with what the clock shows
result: 5:32
